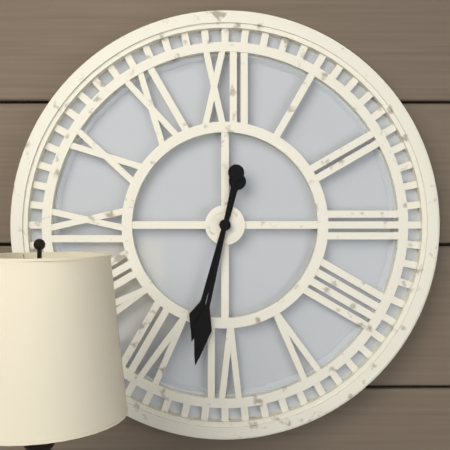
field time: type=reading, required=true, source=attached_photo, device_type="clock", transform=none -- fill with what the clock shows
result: 6:32
